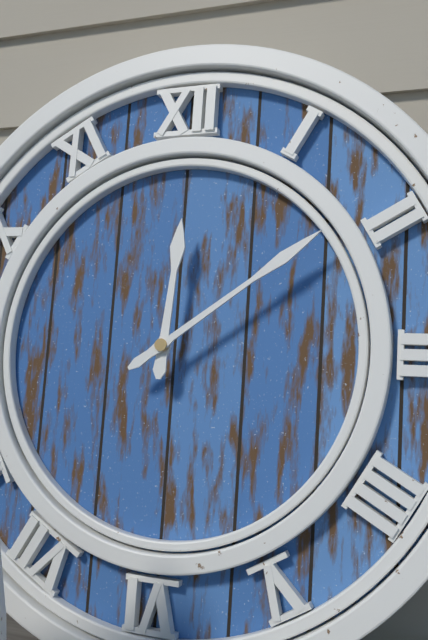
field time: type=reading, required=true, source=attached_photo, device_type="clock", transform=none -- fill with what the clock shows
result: 12:09
